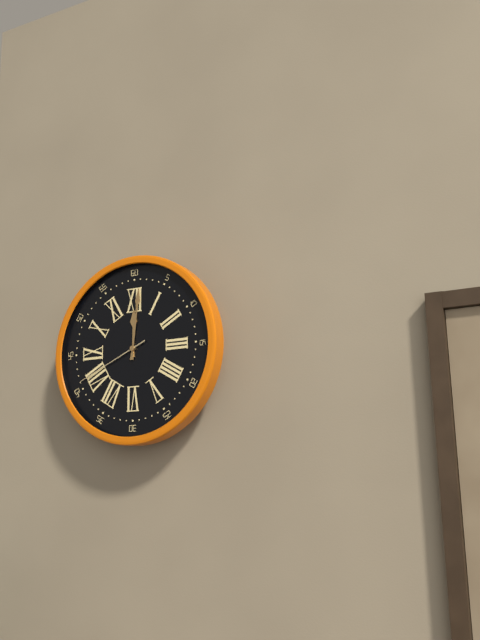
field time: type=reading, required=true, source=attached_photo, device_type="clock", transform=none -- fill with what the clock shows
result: 12:01:41
